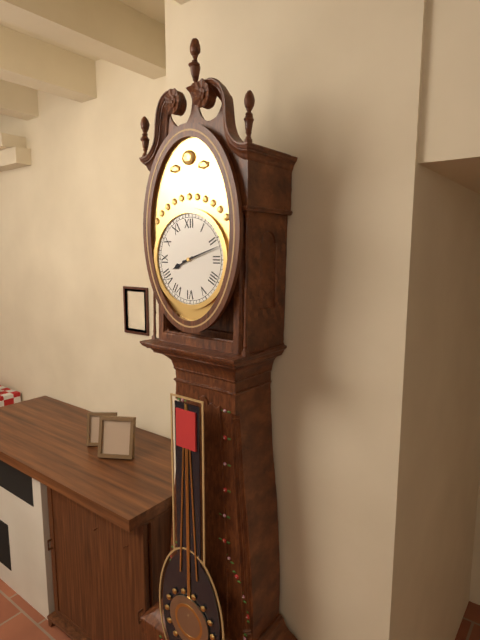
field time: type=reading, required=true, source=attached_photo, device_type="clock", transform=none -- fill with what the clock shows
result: 8:12
